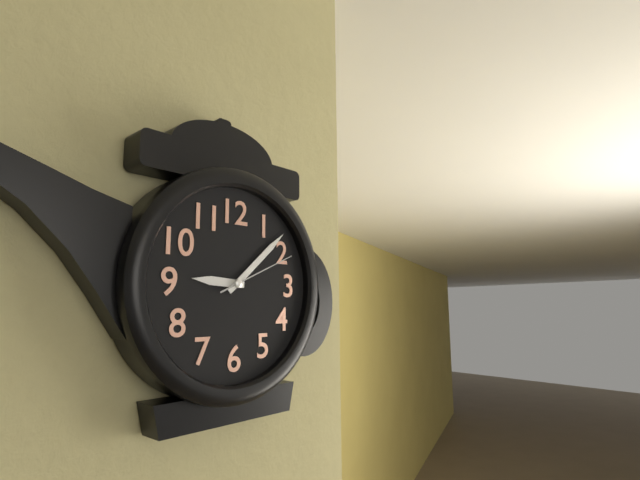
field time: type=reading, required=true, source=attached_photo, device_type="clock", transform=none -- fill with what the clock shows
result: 9:08:11
